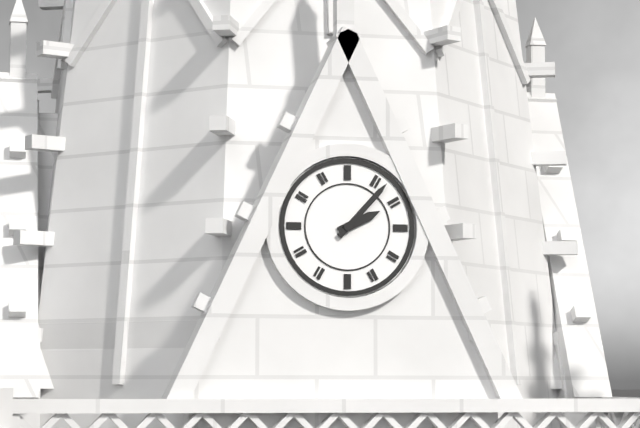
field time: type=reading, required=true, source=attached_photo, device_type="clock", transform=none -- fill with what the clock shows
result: 2:07
